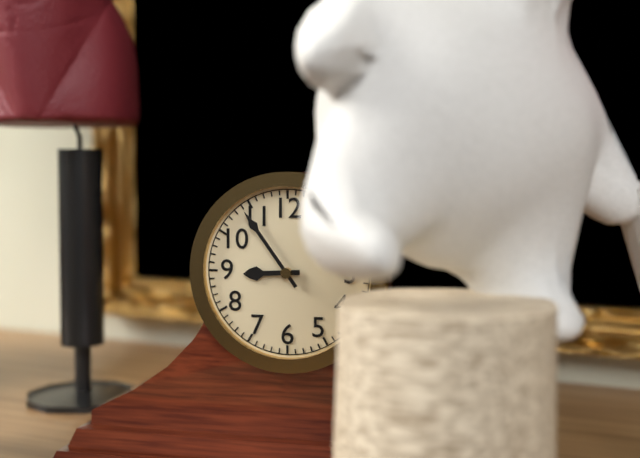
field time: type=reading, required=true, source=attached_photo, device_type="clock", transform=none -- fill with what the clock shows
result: 8:54
